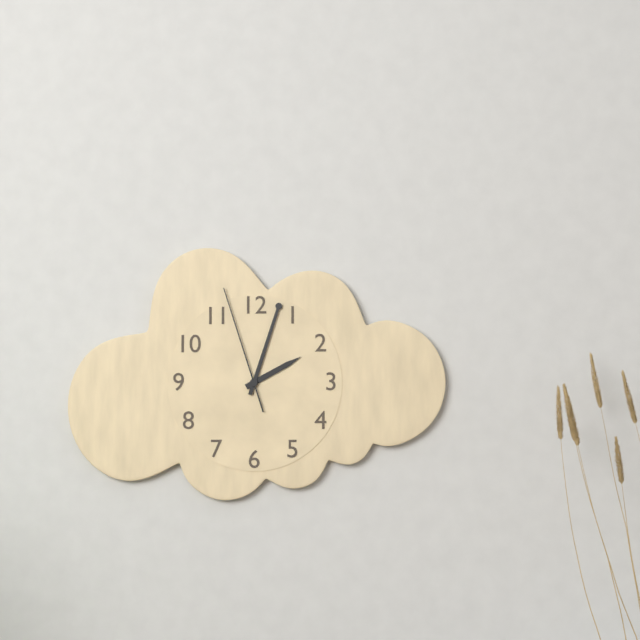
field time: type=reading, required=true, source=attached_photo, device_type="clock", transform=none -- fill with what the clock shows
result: 2:03:57
